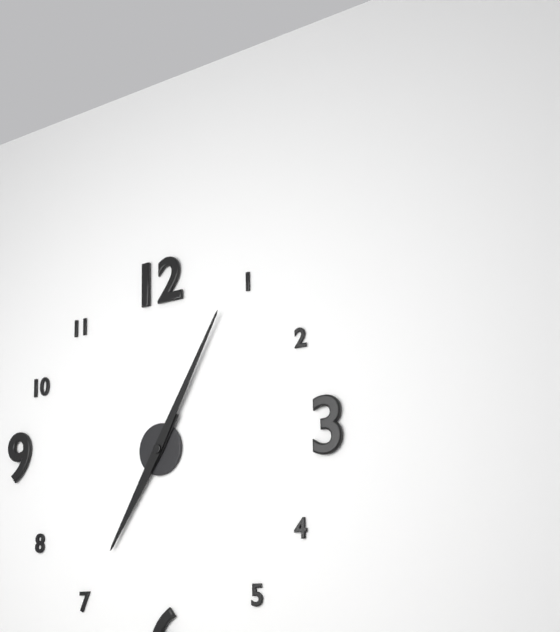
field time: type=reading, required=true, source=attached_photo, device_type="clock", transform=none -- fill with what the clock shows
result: 7:05
